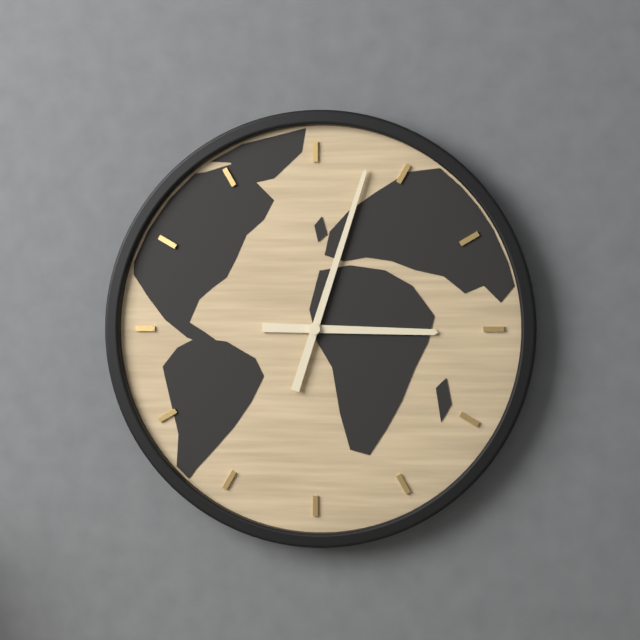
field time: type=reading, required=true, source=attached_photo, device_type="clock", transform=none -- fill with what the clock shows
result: 3:03
